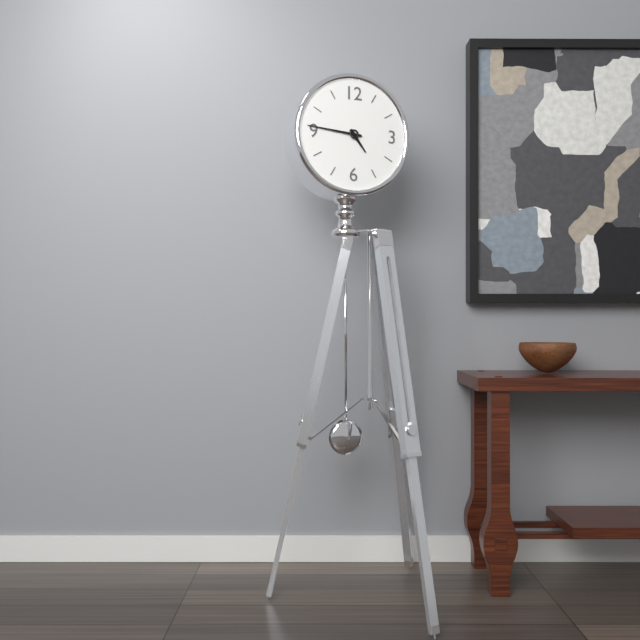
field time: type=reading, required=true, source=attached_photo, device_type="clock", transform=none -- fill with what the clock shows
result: 4:46
